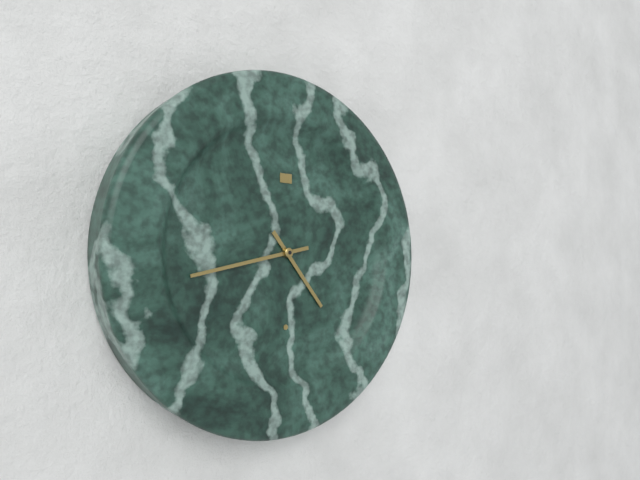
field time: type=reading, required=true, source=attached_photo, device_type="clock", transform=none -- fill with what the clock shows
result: 4:43
